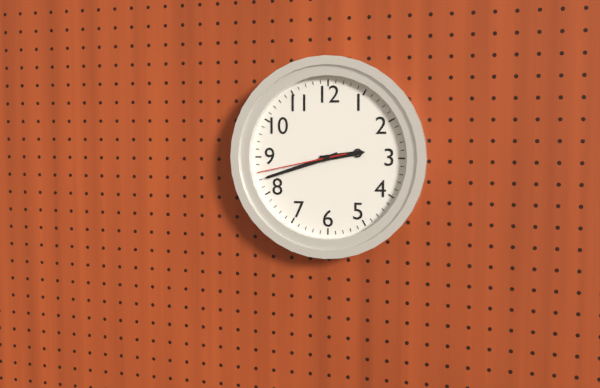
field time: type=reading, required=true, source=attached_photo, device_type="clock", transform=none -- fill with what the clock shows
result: 2:42:43
